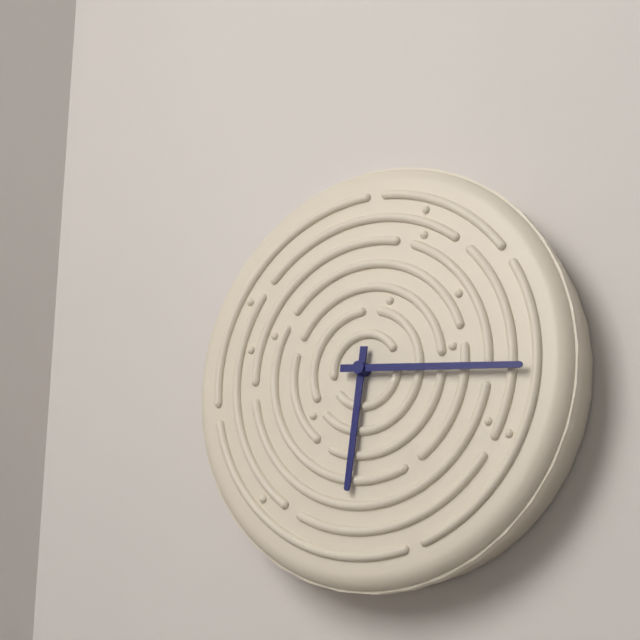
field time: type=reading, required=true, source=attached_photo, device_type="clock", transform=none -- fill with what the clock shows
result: 6:16
